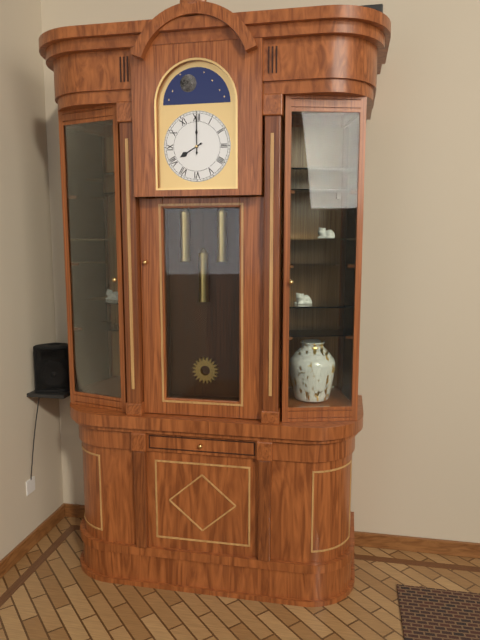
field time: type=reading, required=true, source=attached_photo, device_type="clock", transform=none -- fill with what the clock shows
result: 8:00
